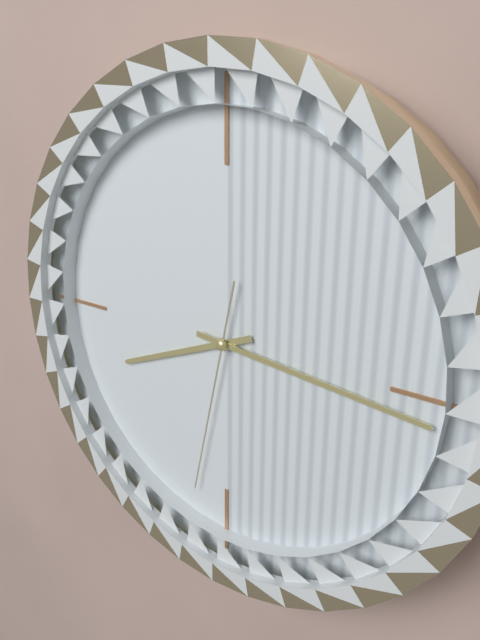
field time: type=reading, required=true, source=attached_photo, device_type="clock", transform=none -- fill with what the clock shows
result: 8:16:32
